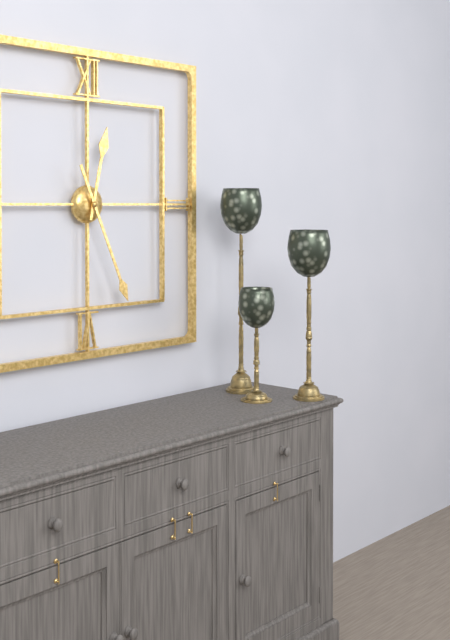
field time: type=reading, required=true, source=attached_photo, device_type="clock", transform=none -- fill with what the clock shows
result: 12:26
